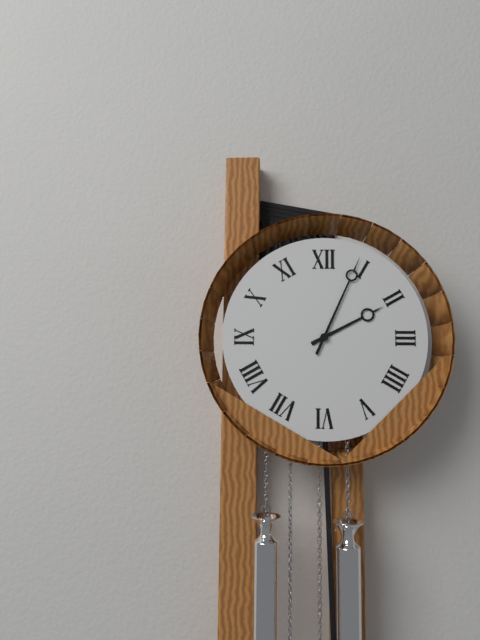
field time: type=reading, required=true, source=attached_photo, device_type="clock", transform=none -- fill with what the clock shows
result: 2:04
